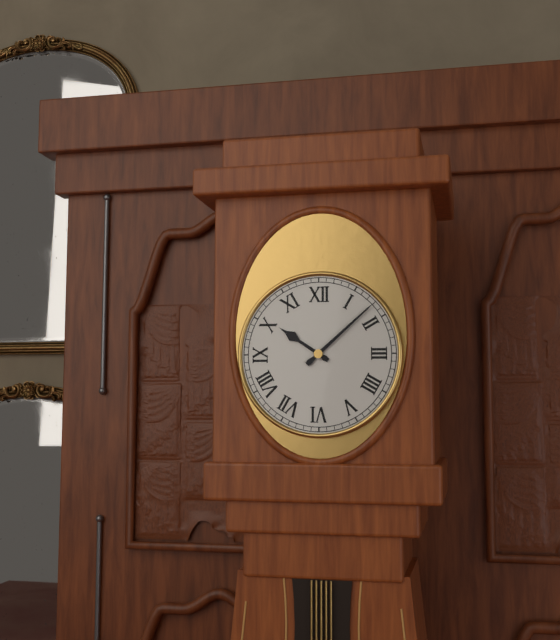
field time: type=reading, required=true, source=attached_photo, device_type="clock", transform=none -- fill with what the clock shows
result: 10:08
